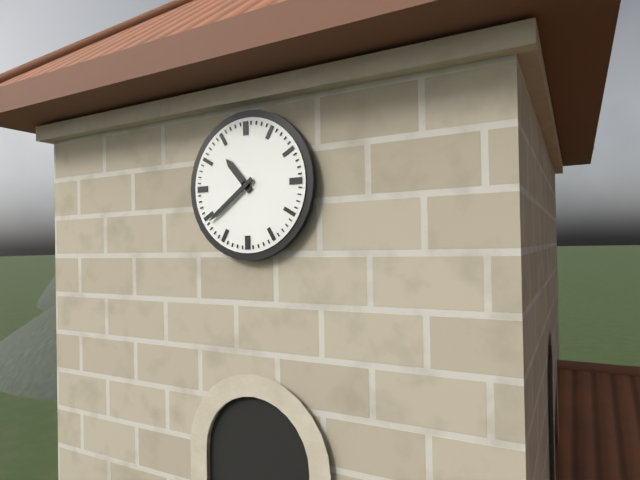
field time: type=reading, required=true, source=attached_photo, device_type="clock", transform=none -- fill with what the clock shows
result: 10:39
